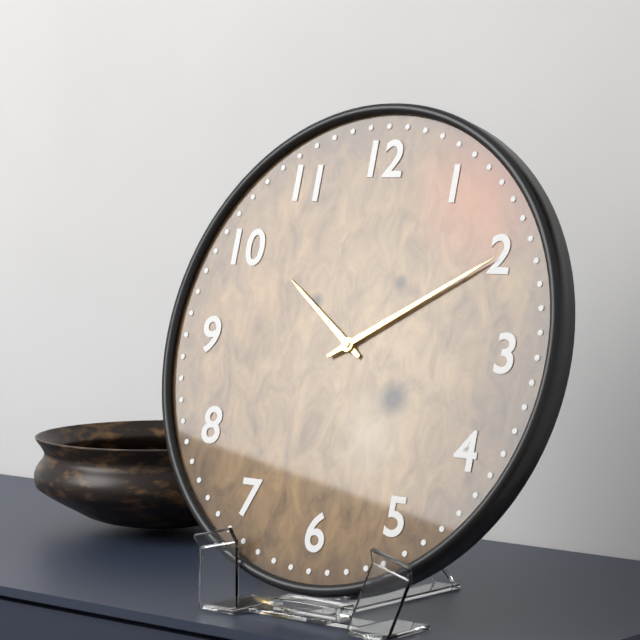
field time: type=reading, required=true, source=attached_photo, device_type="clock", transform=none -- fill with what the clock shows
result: 10:10
